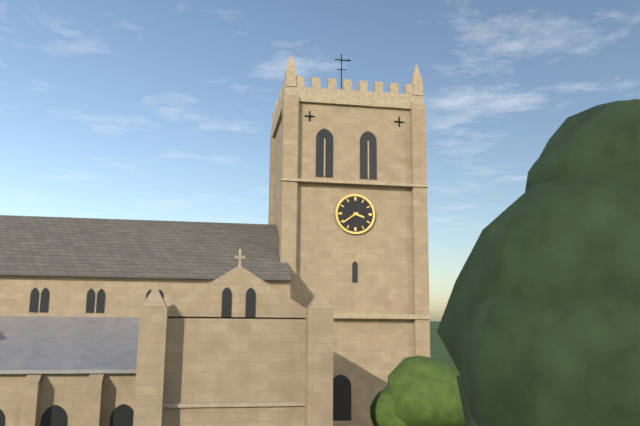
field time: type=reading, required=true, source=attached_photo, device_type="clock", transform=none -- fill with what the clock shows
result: 3:39
